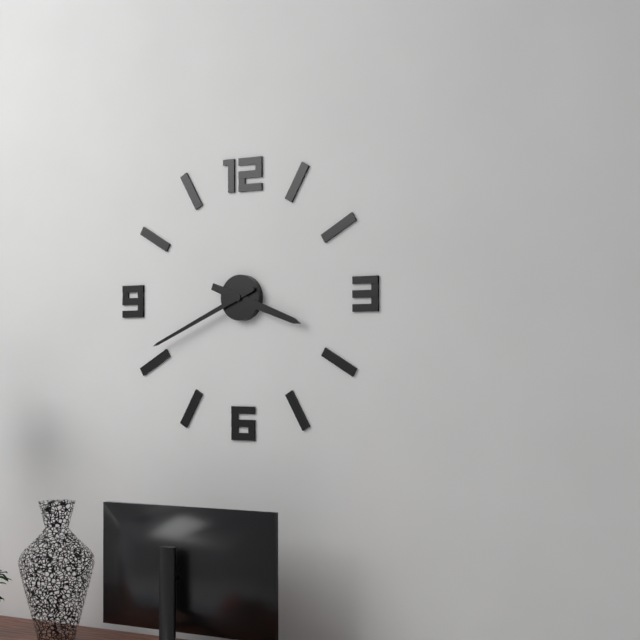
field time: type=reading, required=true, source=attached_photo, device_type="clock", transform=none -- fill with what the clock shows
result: 3:41
